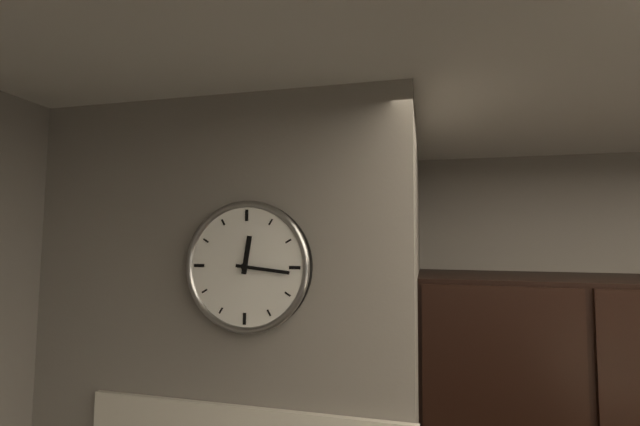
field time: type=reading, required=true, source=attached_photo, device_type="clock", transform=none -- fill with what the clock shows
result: 12:16
